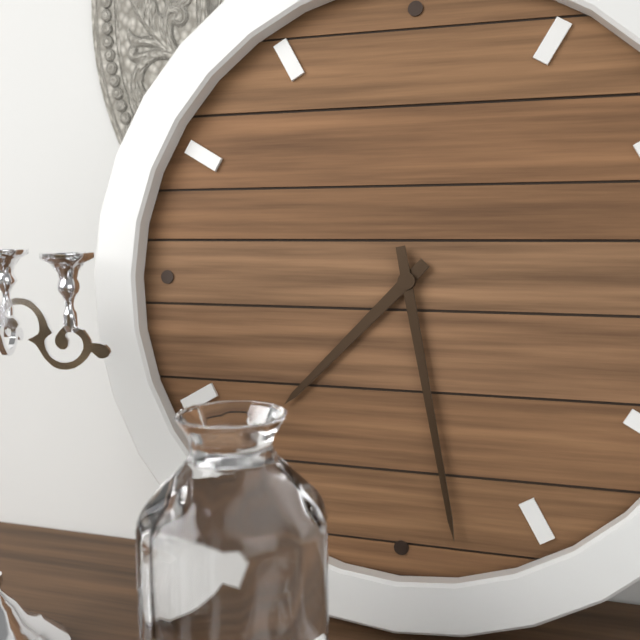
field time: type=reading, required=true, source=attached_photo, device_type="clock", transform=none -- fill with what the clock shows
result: 7:28
